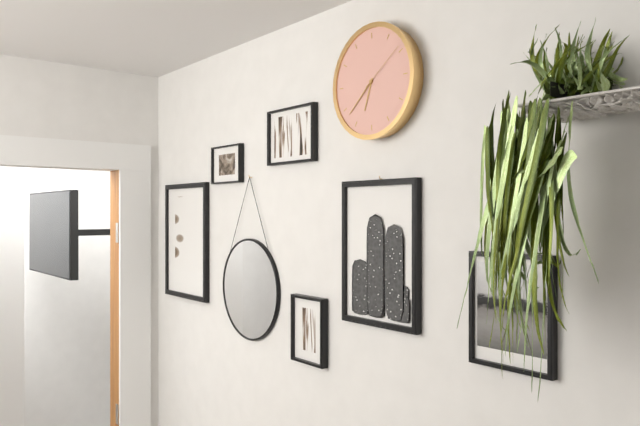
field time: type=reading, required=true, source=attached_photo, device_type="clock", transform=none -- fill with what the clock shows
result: 6:38:09
